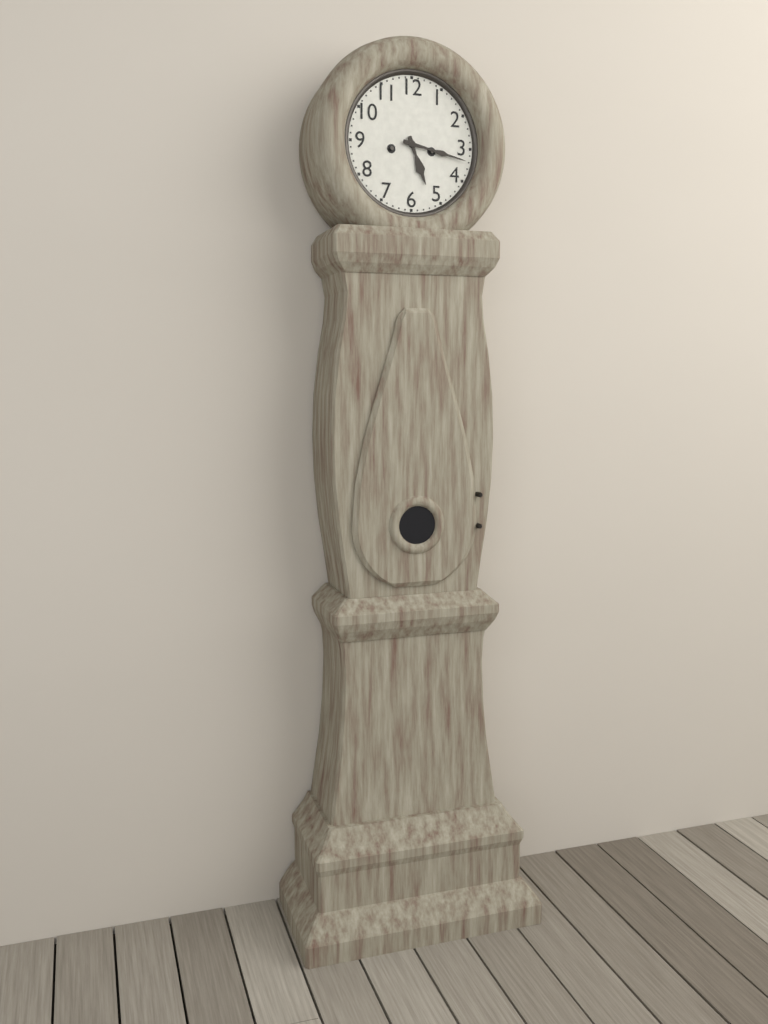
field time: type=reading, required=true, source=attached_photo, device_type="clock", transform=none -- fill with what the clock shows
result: 5:17
